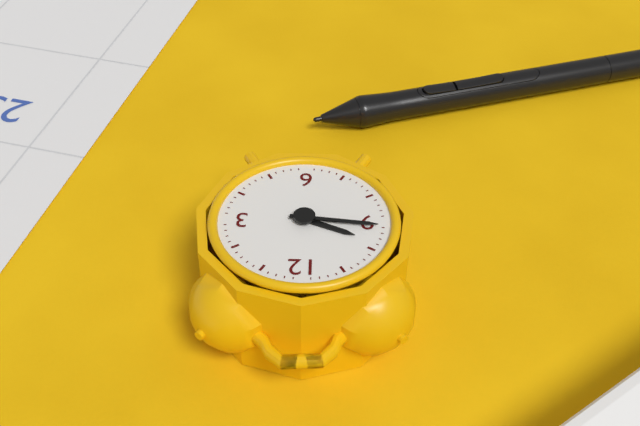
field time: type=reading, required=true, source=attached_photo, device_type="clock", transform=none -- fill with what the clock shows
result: 9:46
